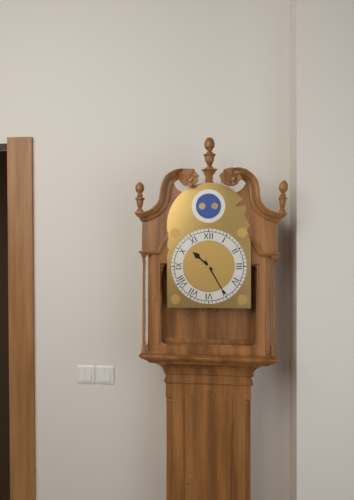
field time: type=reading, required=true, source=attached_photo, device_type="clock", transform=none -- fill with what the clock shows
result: 10:25
